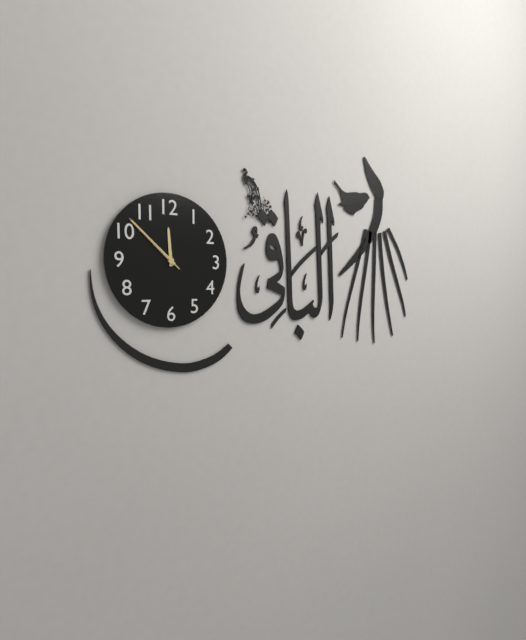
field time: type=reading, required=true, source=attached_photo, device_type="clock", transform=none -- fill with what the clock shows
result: 11:52:52
